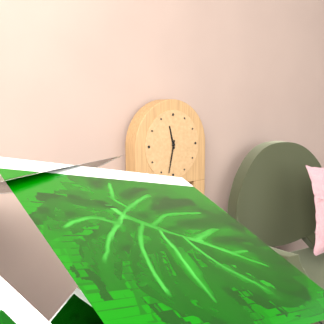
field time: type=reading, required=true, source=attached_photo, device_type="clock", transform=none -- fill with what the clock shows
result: 11:32
